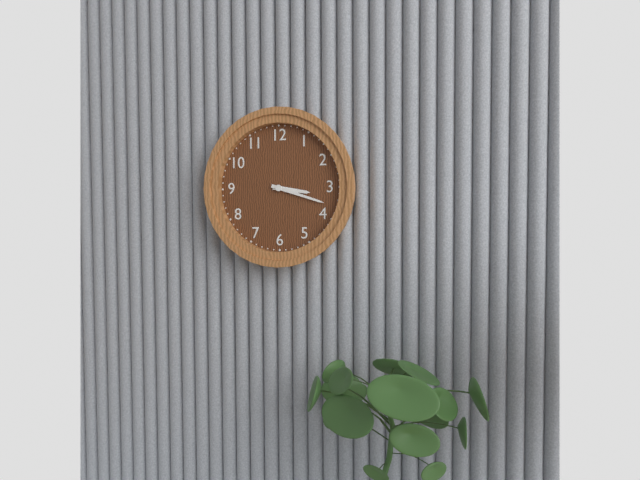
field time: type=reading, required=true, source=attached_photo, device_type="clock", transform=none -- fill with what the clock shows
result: 3:18
